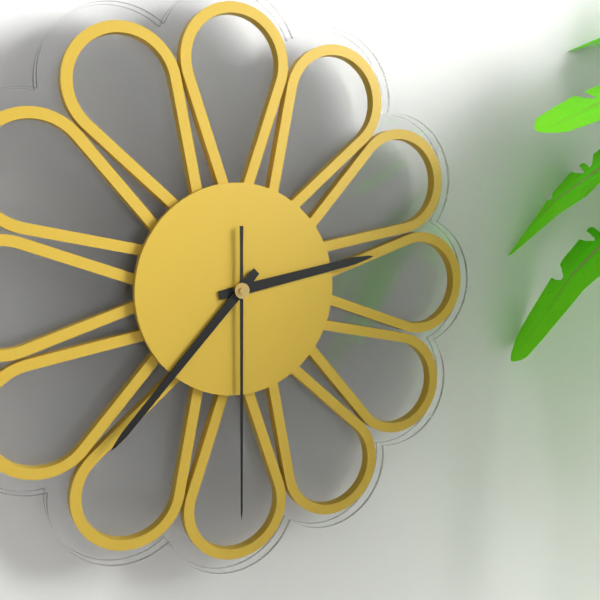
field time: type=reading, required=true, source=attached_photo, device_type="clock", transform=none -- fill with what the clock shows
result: 2:37:30
